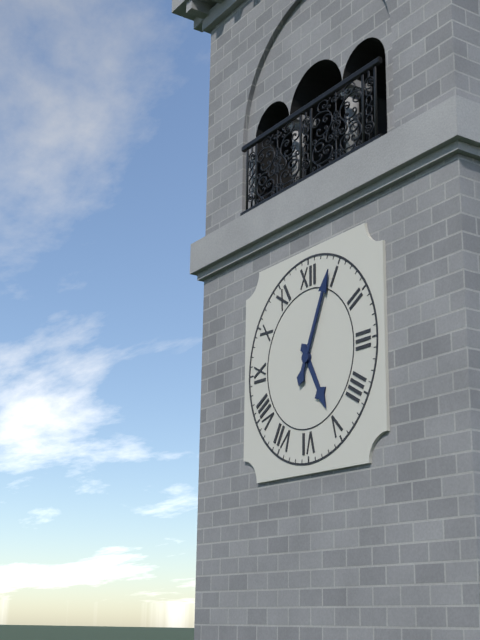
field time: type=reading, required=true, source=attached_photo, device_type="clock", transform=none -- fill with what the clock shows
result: 5:04
